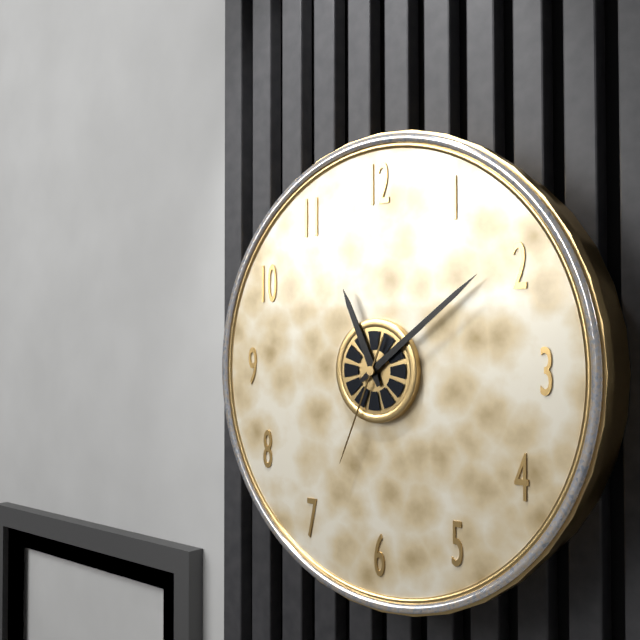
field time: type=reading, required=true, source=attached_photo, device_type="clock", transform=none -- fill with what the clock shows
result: 11:09:34
